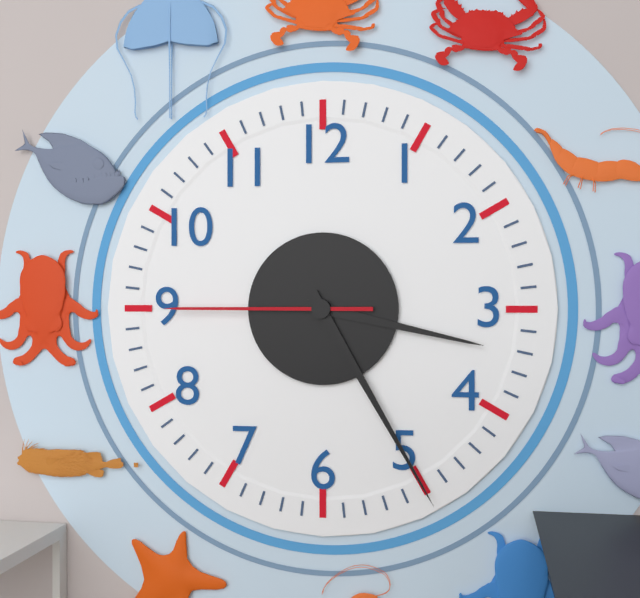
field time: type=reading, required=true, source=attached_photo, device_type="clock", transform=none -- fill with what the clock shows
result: 3:25:45
